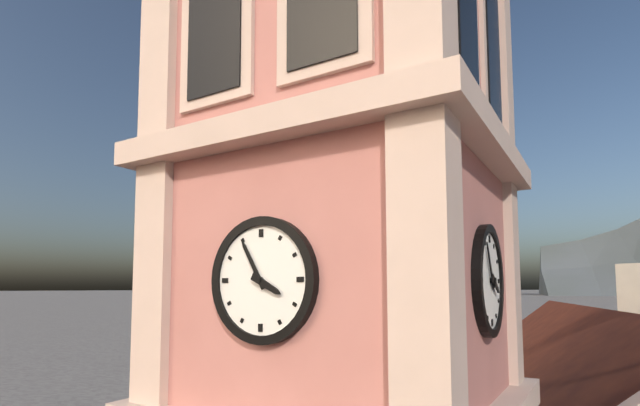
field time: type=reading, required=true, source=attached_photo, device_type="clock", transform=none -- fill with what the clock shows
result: 3:55
